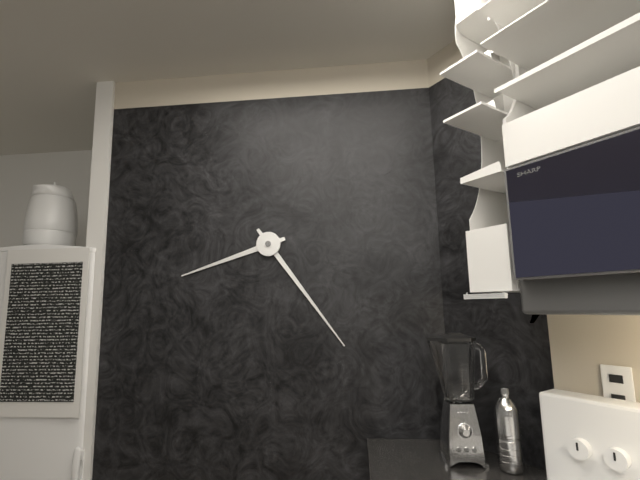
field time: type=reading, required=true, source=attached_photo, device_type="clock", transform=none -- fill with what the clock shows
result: 8:24
